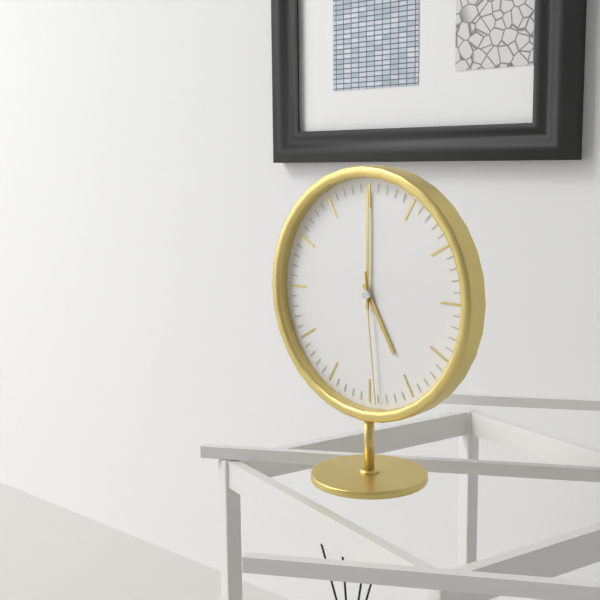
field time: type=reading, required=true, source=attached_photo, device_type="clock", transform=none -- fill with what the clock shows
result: 5:00:29
